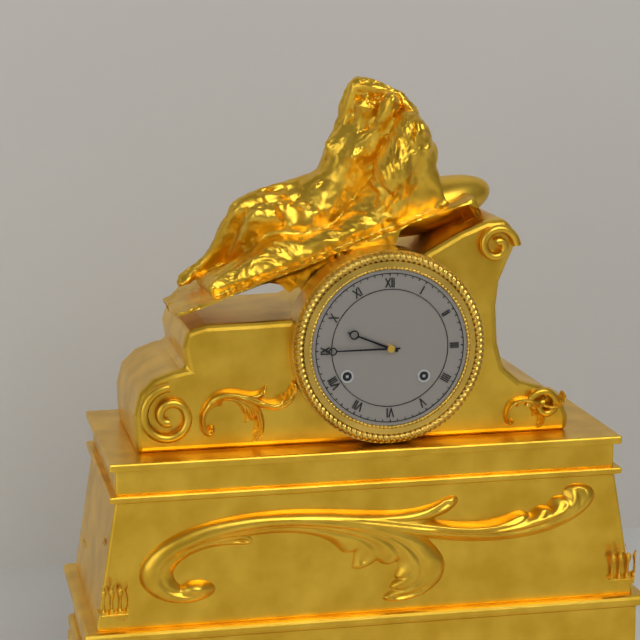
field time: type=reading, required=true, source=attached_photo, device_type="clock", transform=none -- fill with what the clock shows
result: 9:45
